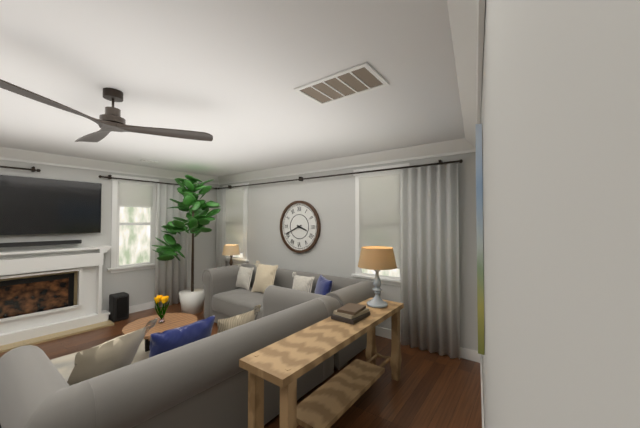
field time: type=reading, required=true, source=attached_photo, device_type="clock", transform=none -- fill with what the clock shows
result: 3:41
